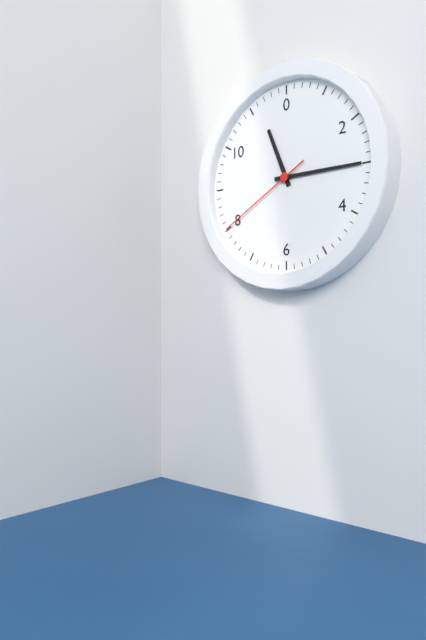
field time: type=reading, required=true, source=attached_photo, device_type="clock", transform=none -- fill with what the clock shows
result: 11:15:40
